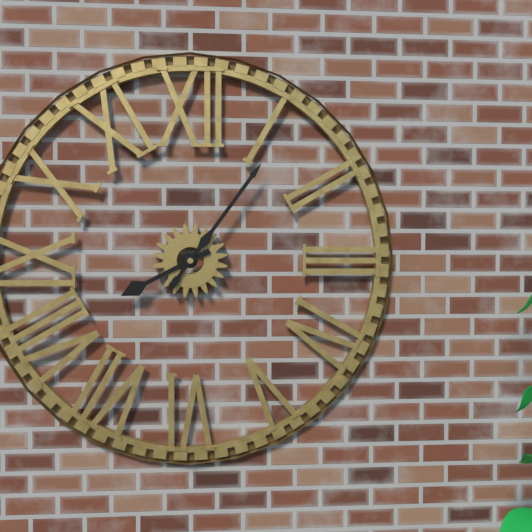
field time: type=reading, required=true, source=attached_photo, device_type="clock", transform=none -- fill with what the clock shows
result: 8:06
